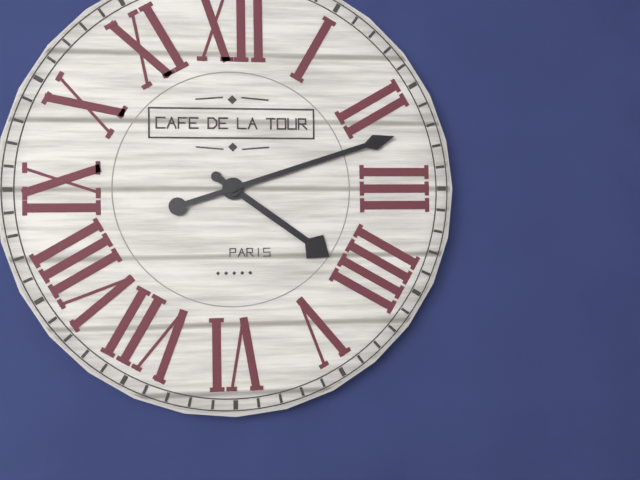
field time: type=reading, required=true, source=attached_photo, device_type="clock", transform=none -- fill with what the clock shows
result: 4:12
